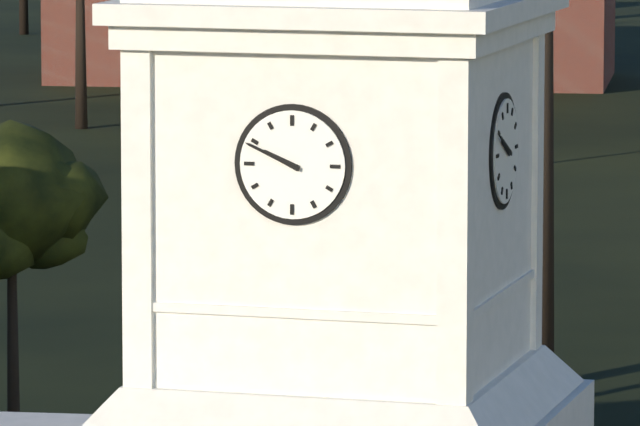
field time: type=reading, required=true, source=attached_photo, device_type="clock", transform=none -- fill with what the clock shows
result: 9:49
